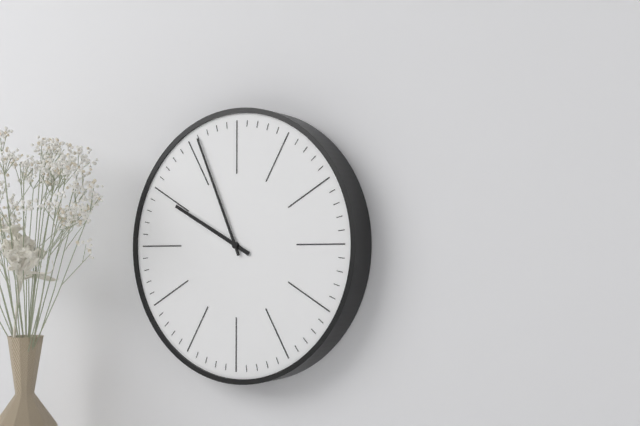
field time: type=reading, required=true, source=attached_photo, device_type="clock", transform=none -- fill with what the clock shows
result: 9:56
